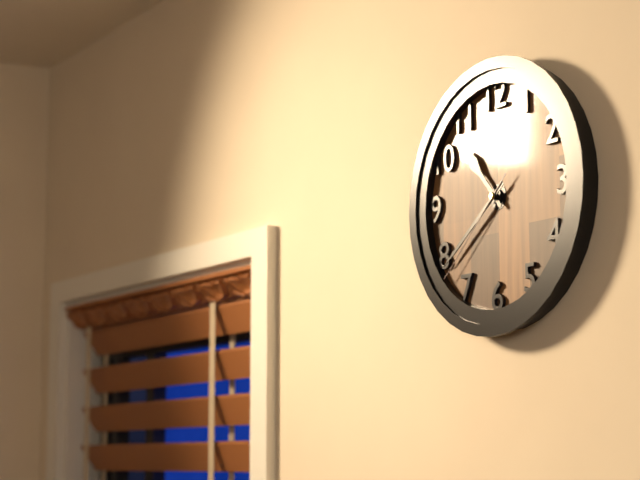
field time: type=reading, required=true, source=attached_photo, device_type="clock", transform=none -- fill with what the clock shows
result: 10:39:38
